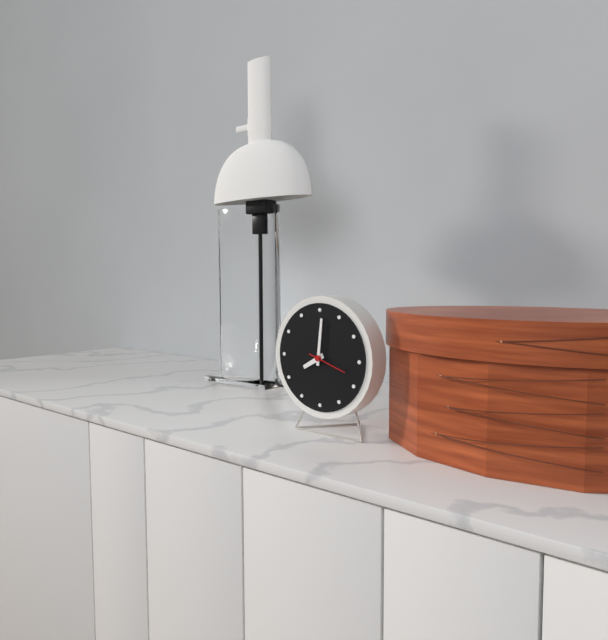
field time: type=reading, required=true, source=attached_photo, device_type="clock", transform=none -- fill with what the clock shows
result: 8:01
